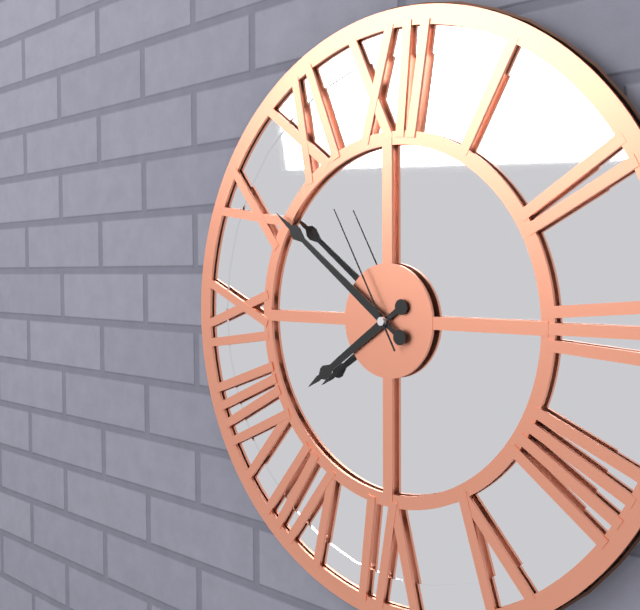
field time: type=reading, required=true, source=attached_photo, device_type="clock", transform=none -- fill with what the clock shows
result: 7:51:55
